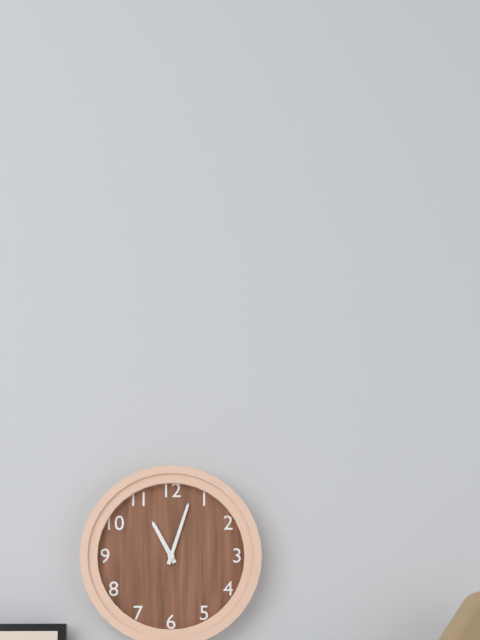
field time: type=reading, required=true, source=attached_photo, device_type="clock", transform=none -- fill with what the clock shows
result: 11:03
